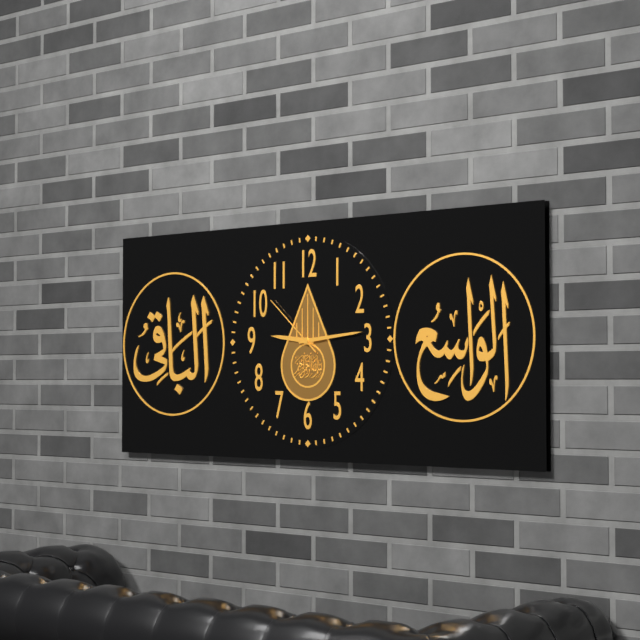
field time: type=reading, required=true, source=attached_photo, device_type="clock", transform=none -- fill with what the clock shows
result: 9:14:52
